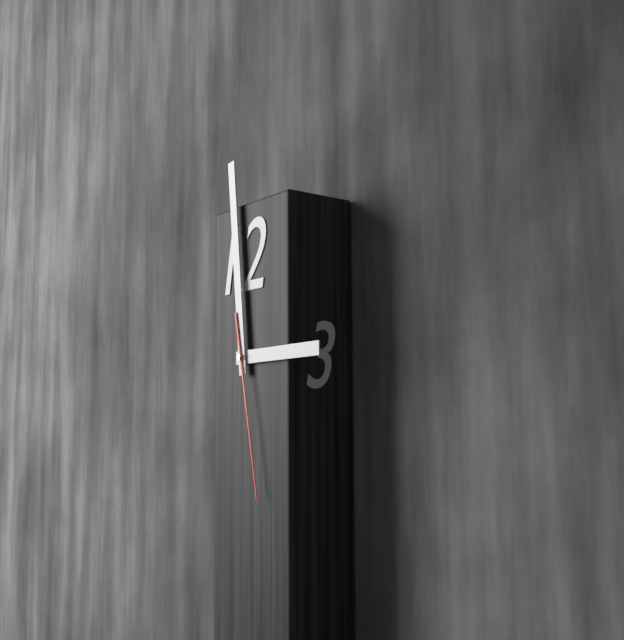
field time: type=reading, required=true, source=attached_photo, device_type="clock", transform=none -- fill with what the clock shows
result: 2:59:28
